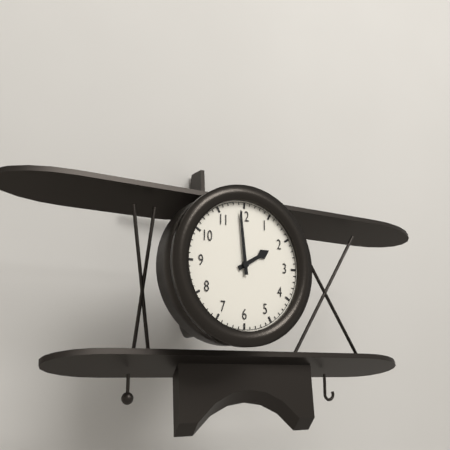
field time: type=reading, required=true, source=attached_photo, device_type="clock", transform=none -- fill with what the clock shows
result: 1:59
